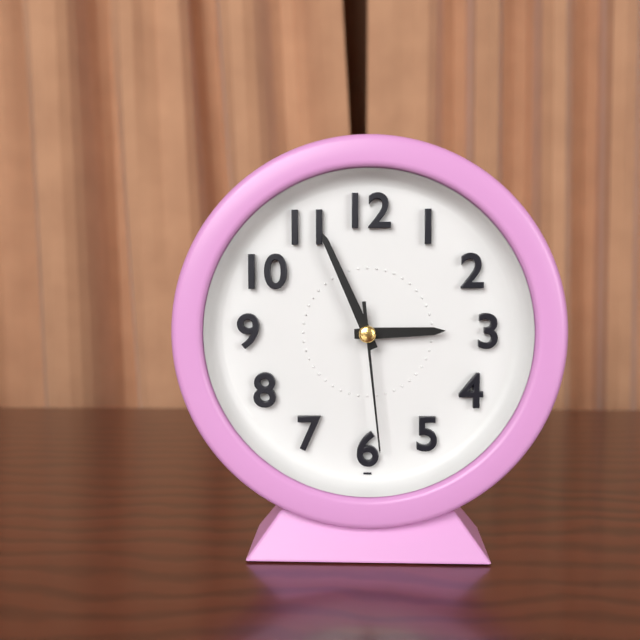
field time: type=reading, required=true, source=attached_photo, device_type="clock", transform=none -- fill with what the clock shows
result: 2:56:29
